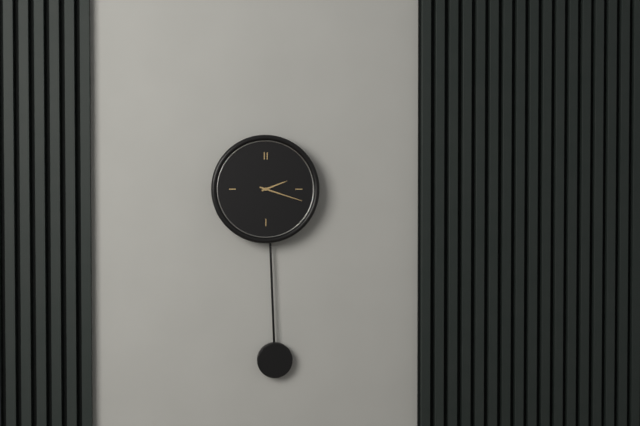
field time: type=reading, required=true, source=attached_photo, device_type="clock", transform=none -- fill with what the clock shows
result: 2:18
